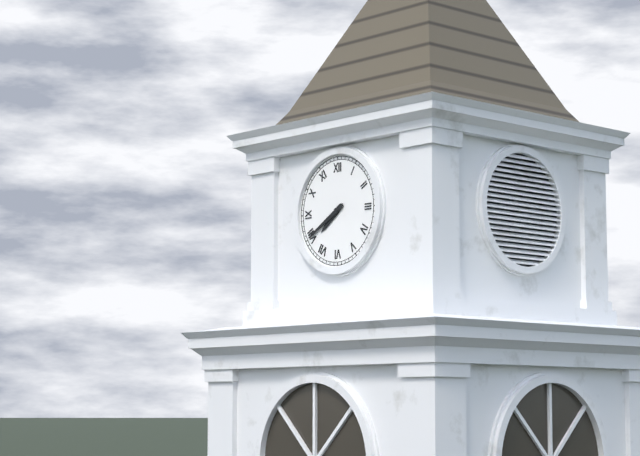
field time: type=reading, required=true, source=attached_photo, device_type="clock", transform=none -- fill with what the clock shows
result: 7:40
